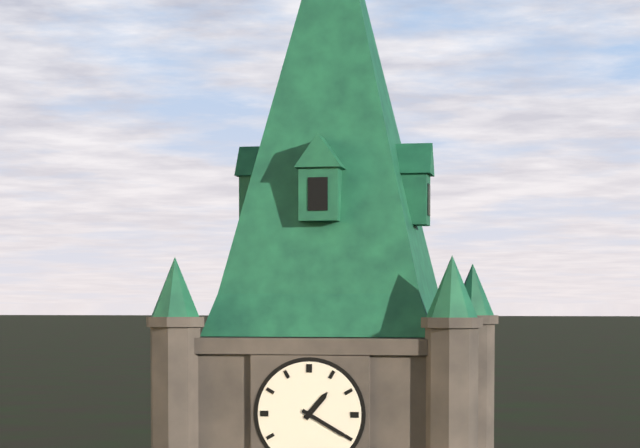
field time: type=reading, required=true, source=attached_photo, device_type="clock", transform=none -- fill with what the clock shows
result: 1:20
